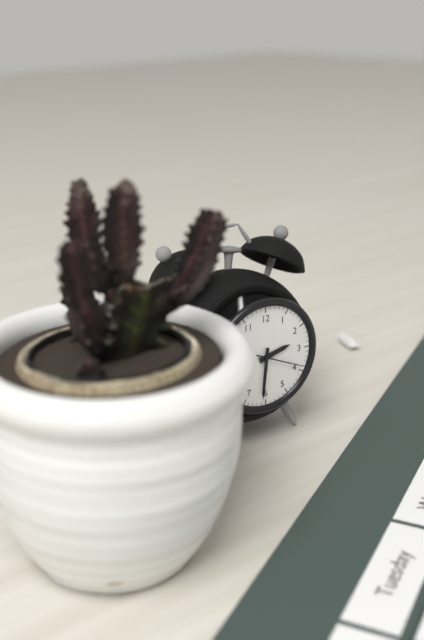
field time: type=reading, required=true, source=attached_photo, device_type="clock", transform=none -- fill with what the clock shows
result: 2:31
